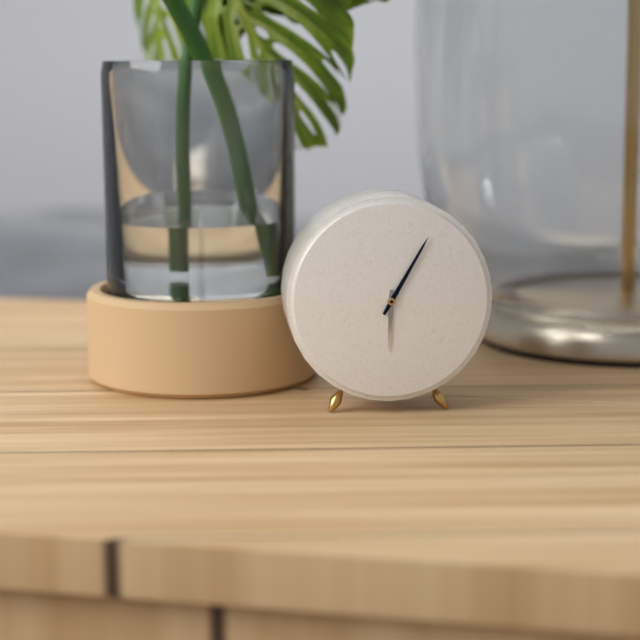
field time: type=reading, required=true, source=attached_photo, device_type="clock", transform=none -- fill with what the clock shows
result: 6:05
